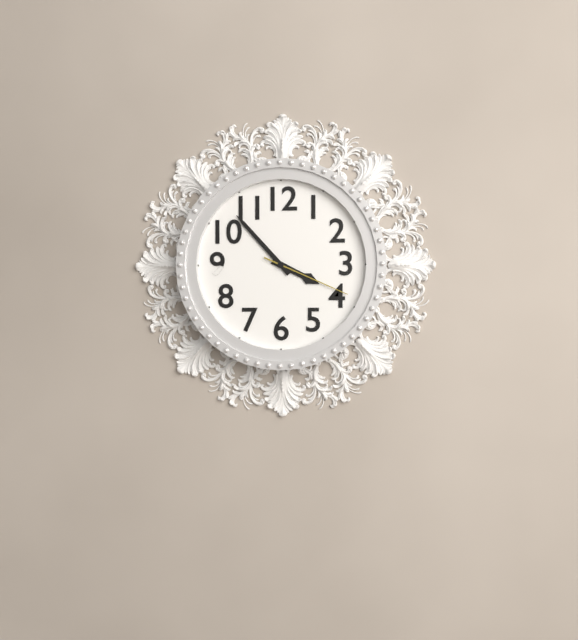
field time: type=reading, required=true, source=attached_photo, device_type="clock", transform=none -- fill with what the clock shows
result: 3:53:19
